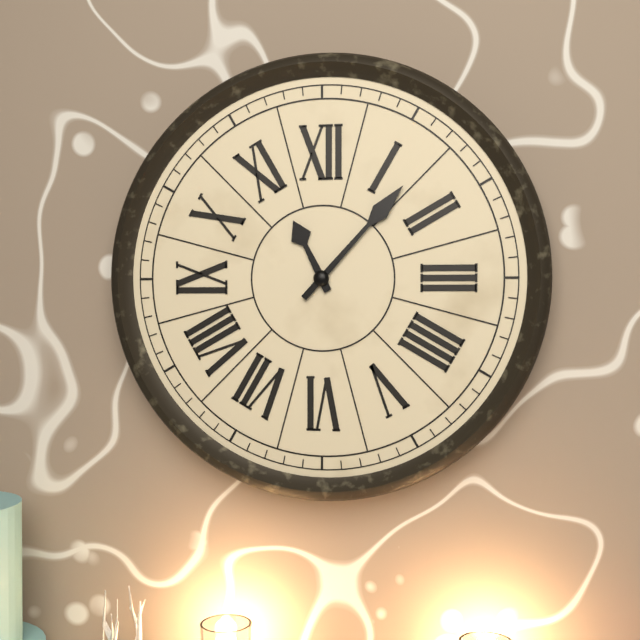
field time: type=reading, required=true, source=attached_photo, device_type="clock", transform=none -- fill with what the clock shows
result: 11:07
